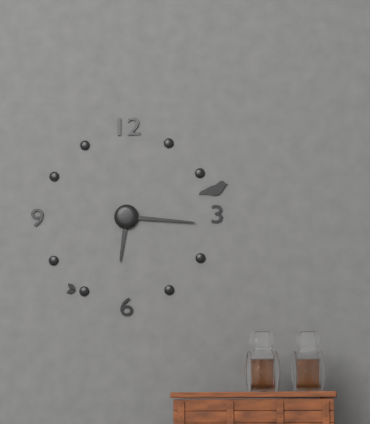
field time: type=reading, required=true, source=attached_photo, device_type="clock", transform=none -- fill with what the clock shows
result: 6:16
